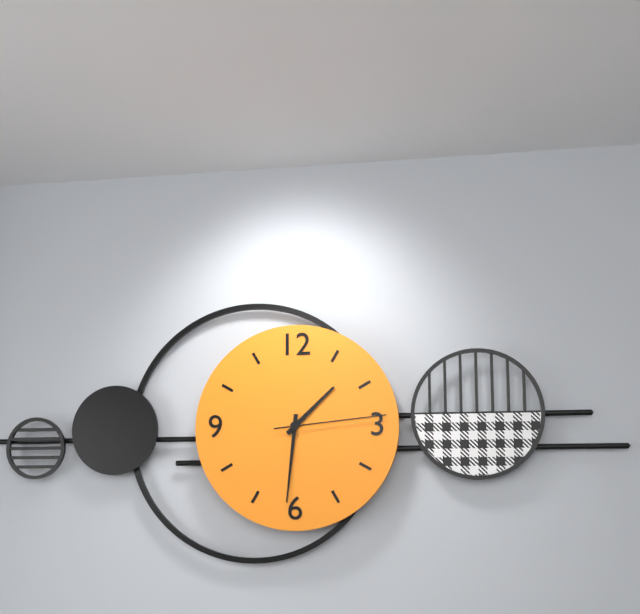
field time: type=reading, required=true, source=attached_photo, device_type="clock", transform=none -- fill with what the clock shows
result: 1:31:14
